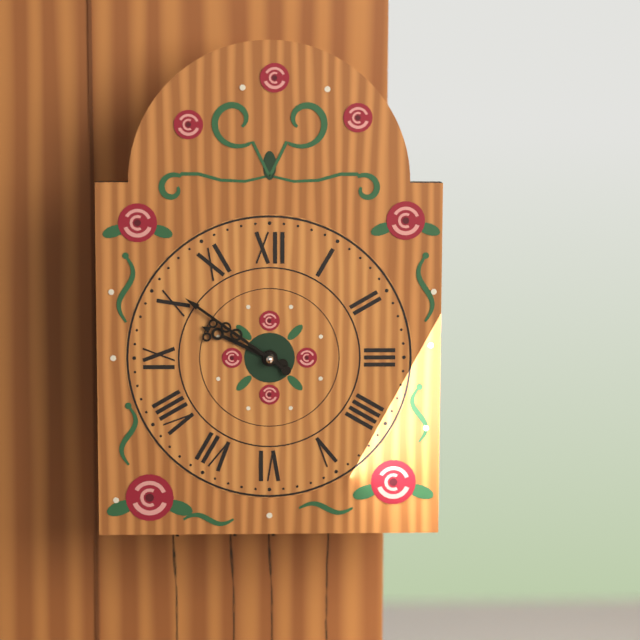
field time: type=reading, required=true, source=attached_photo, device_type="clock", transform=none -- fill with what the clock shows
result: 9:51
